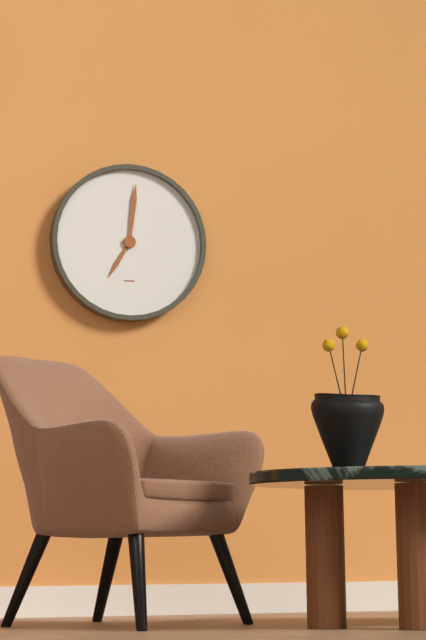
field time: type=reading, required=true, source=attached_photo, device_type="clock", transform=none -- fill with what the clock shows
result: 7:01
